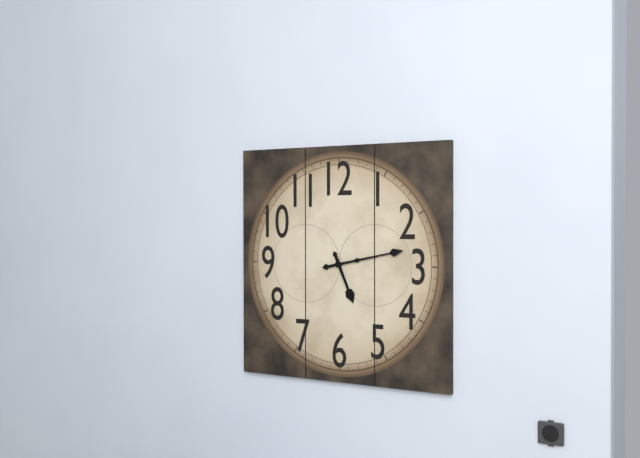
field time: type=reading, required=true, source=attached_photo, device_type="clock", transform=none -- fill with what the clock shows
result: 5:13
